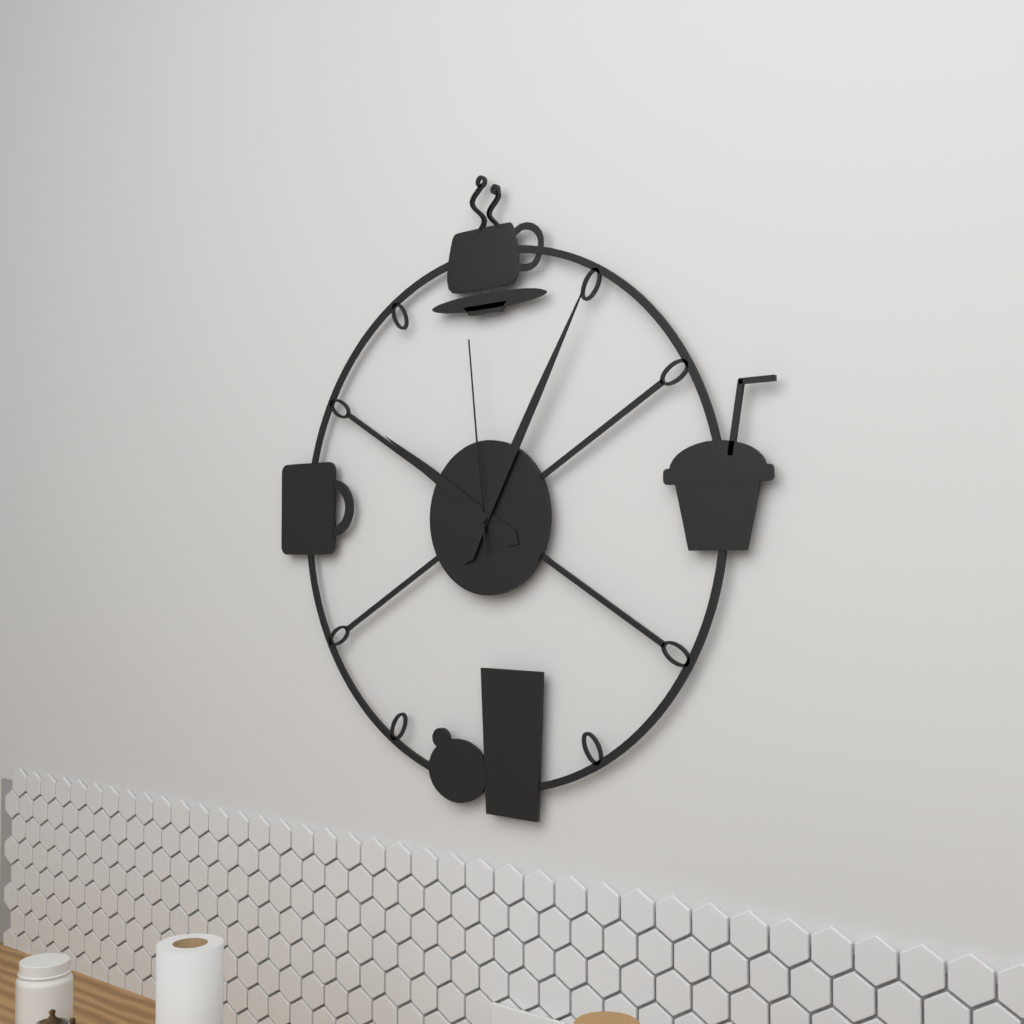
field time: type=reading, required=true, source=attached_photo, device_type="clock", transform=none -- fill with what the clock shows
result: 10:05:59
